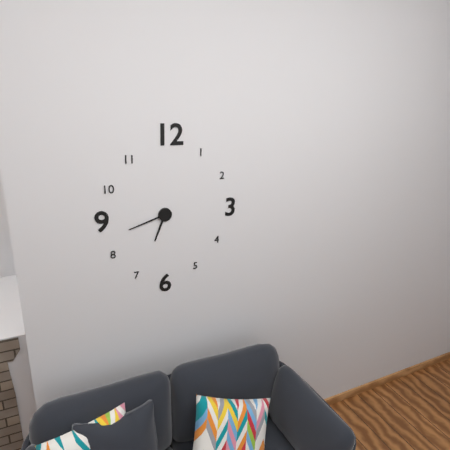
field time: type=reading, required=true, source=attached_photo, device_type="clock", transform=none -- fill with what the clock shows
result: 6:42
